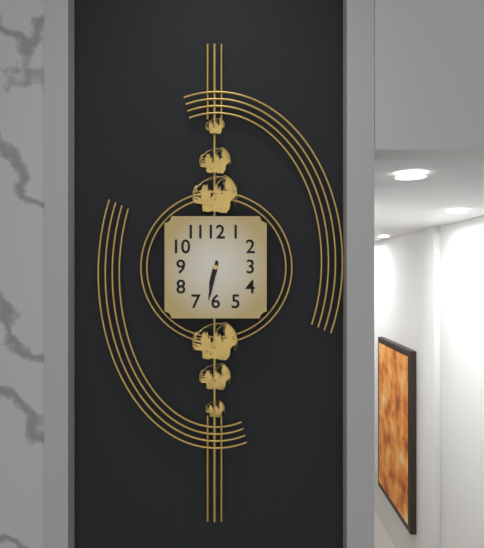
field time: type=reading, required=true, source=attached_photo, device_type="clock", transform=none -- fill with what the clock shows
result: 6:32
